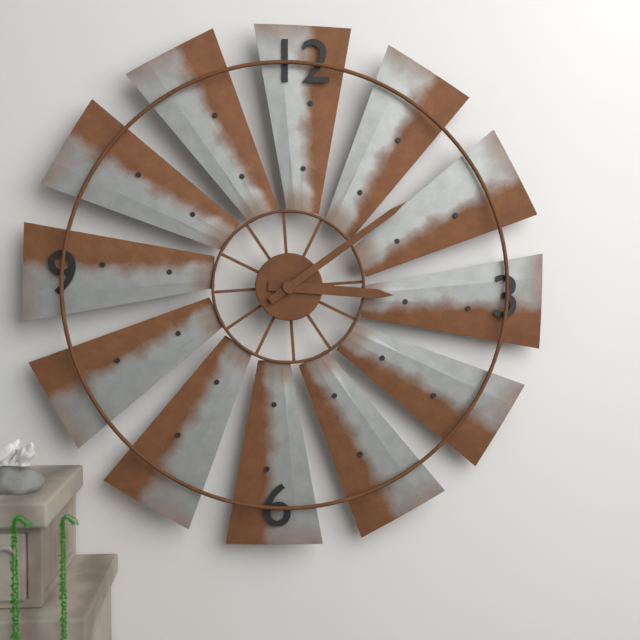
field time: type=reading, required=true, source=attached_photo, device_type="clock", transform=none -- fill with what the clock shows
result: 3:09
